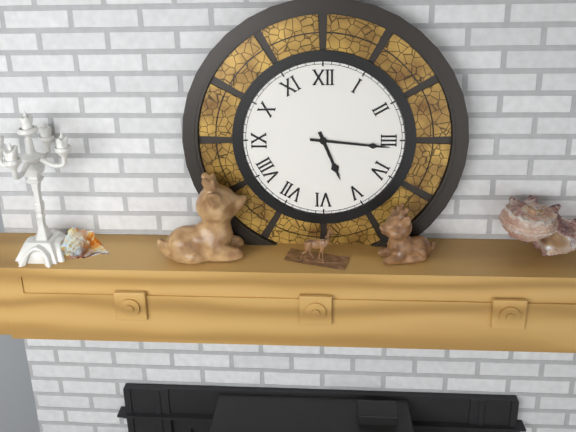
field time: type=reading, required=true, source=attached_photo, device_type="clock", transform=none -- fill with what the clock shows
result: 5:16
